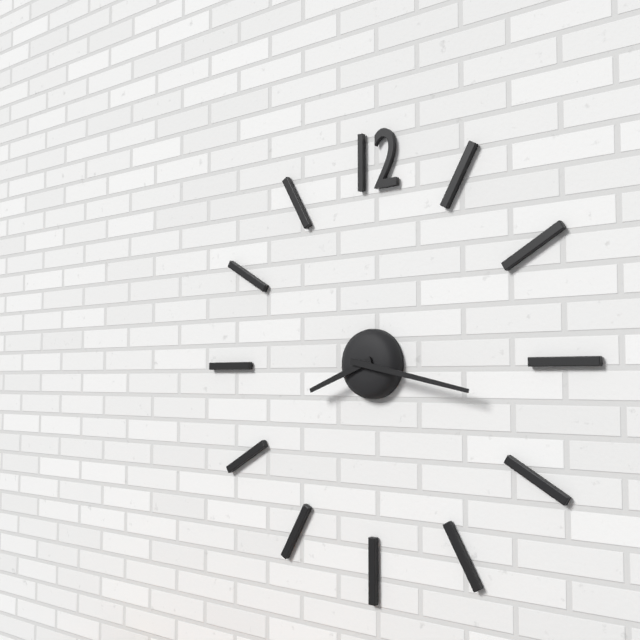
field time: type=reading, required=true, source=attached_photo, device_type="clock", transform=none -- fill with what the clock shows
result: 8:17
